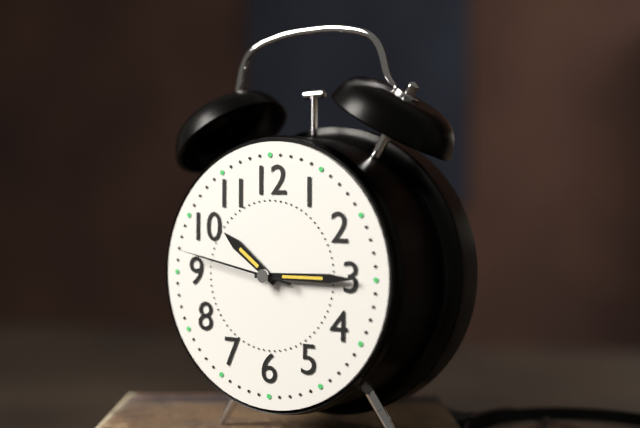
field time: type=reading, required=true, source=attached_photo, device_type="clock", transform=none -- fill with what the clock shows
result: 10:15:47
